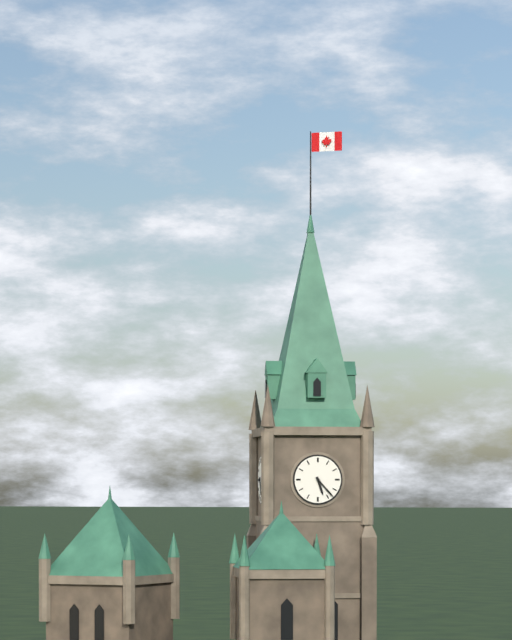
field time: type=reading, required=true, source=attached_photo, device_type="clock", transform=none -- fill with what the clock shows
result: 5:23
